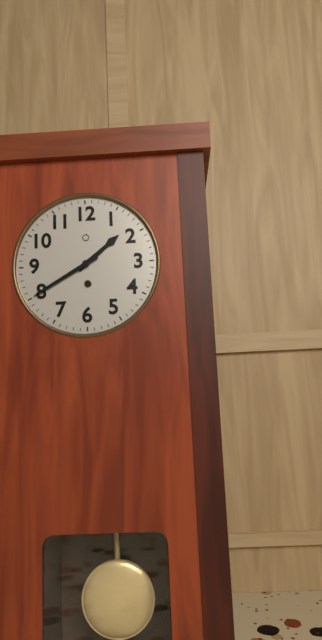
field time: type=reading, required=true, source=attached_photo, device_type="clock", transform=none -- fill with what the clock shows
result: 1:40
